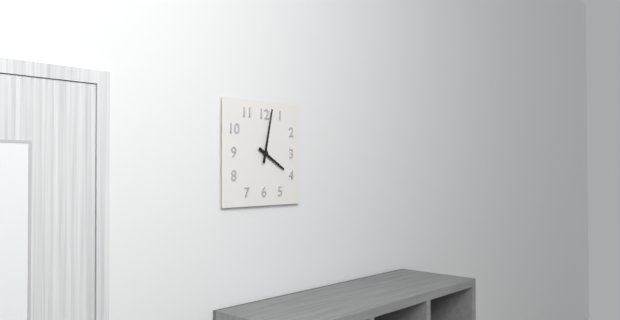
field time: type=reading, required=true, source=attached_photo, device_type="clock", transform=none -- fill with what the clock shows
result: 4:02
